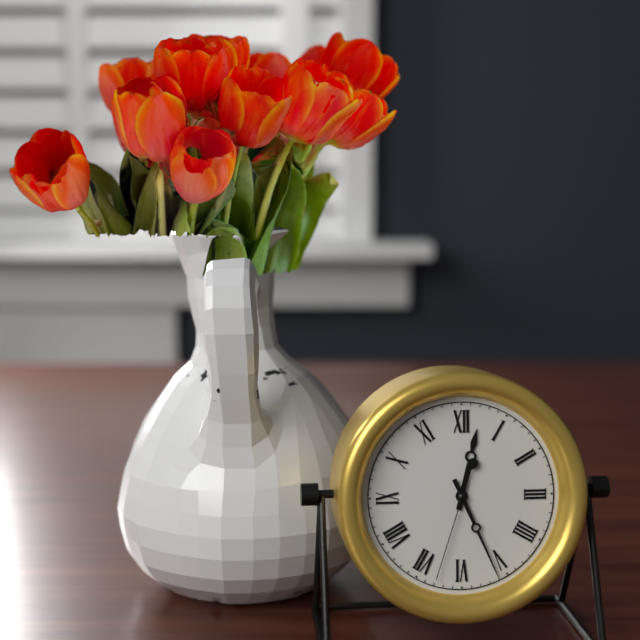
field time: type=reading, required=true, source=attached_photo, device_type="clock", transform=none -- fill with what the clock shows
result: 12:26:33
